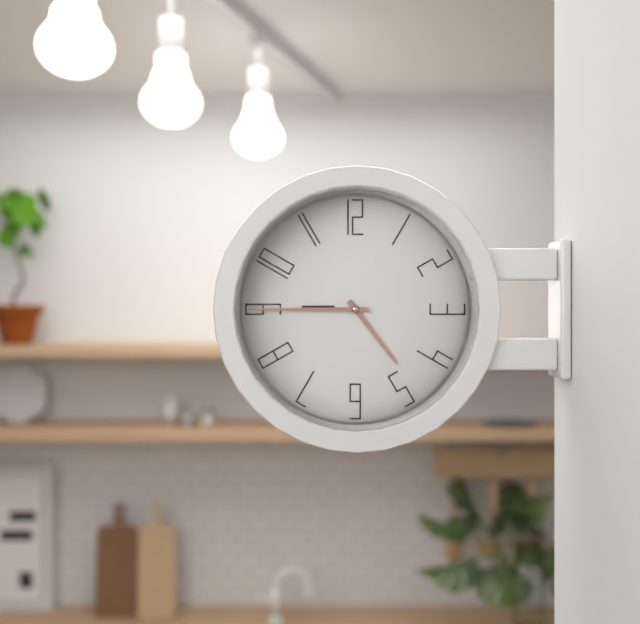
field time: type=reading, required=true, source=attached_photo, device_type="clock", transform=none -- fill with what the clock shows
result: 4:45
